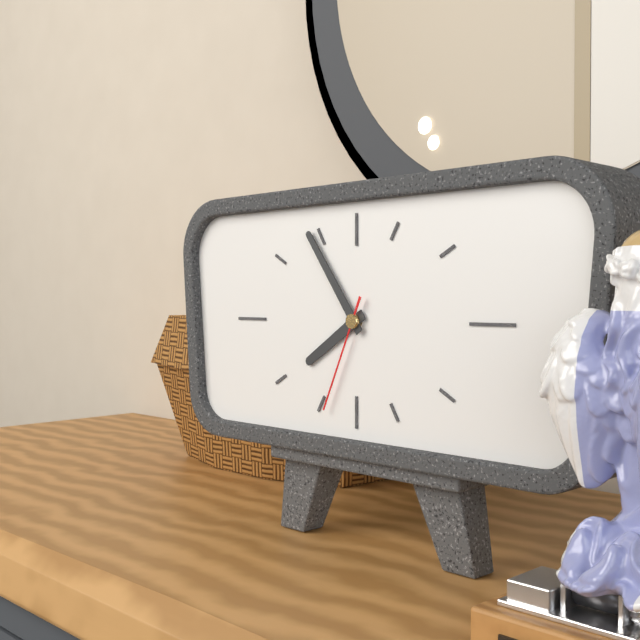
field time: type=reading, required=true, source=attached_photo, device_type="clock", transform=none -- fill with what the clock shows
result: 7:54:34
